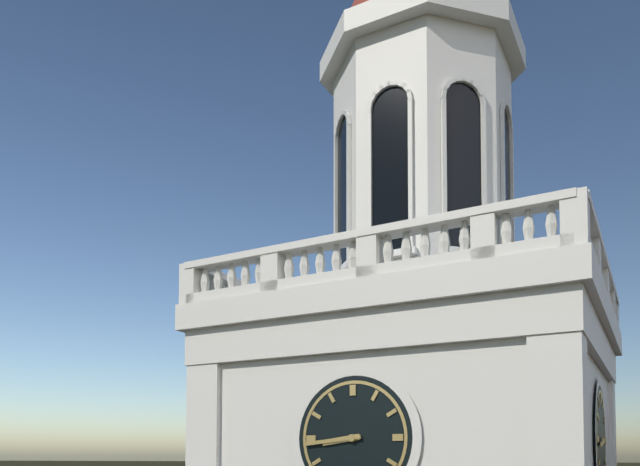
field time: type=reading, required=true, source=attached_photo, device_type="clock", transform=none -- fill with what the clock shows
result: 8:44
